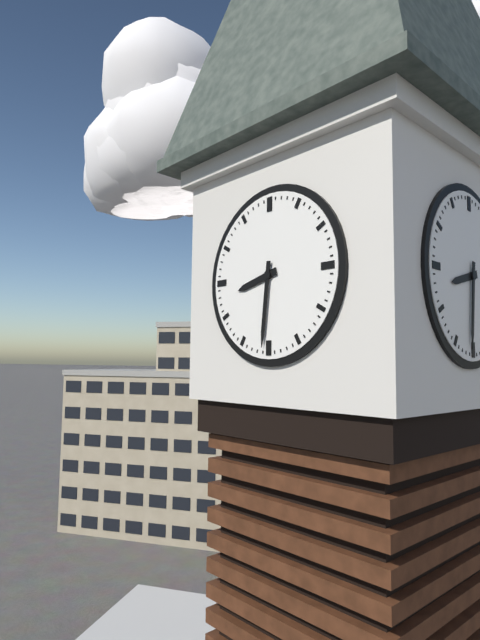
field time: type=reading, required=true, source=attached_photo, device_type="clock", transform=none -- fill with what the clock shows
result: 8:31
